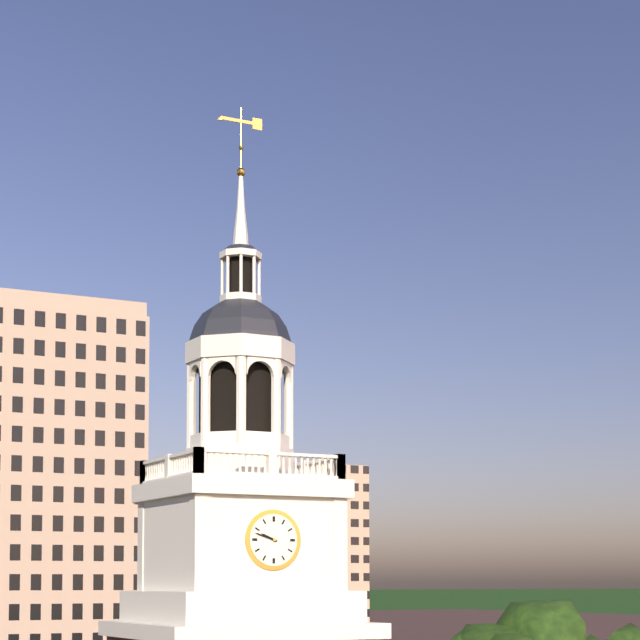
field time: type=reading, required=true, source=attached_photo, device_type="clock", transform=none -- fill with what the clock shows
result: 9:48
